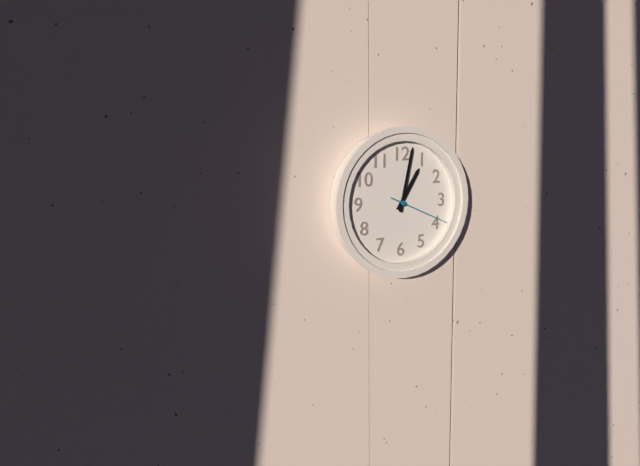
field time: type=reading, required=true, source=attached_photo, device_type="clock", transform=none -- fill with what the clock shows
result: 1:02:19
